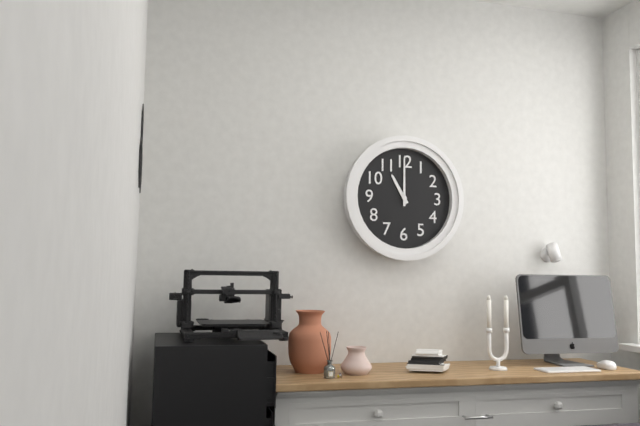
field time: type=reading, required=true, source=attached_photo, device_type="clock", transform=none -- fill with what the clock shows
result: 11:00
